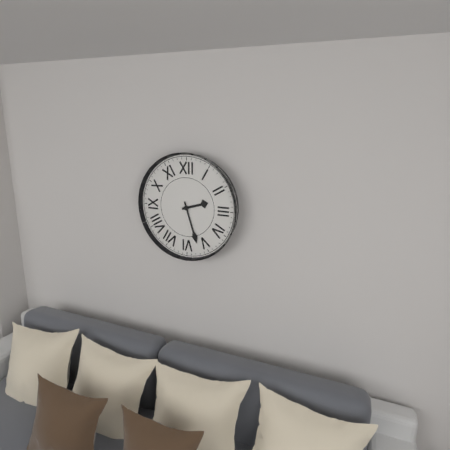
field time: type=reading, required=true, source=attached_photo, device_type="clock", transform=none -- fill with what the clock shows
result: 2:27
